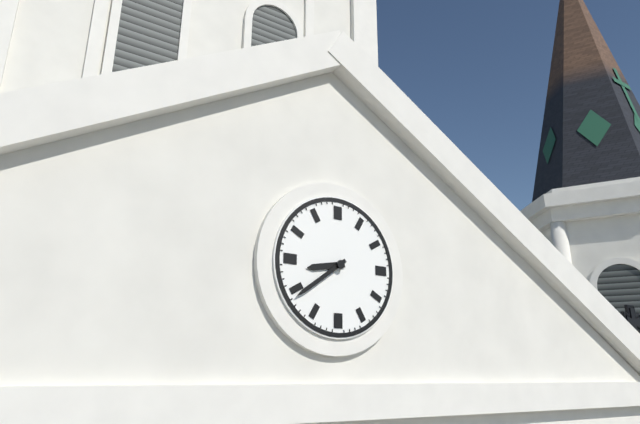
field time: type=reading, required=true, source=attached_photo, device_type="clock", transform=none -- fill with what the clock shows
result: 8:39
